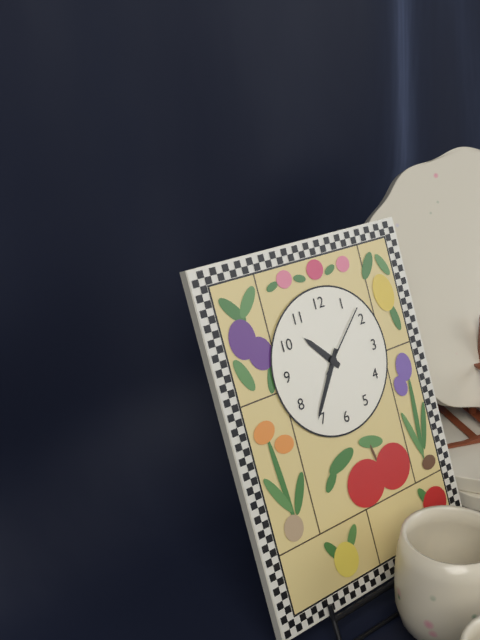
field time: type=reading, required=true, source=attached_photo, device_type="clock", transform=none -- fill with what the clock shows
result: 10:36:08
